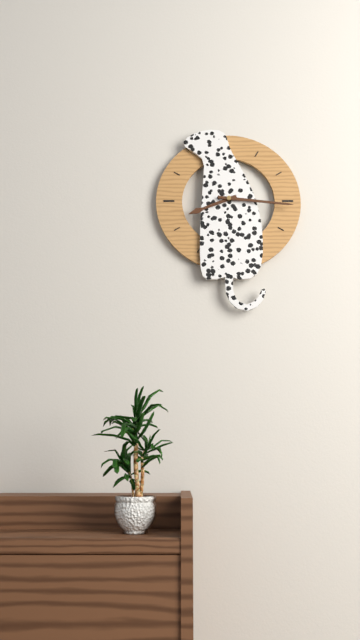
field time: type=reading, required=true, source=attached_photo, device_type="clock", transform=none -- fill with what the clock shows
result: 8:16
